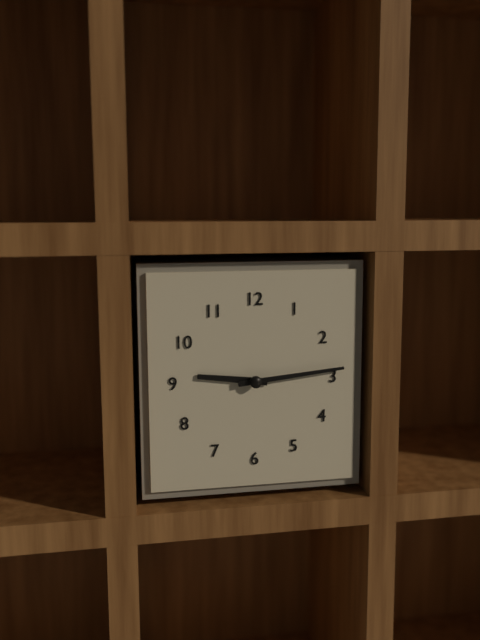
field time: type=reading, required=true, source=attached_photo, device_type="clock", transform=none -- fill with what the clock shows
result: 9:14
